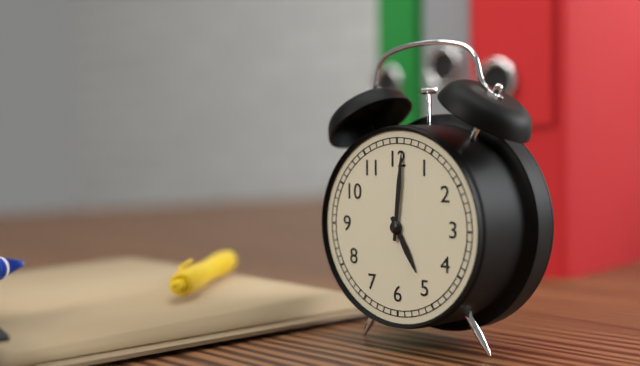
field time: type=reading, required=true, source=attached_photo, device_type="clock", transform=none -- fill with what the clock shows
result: 5:01
